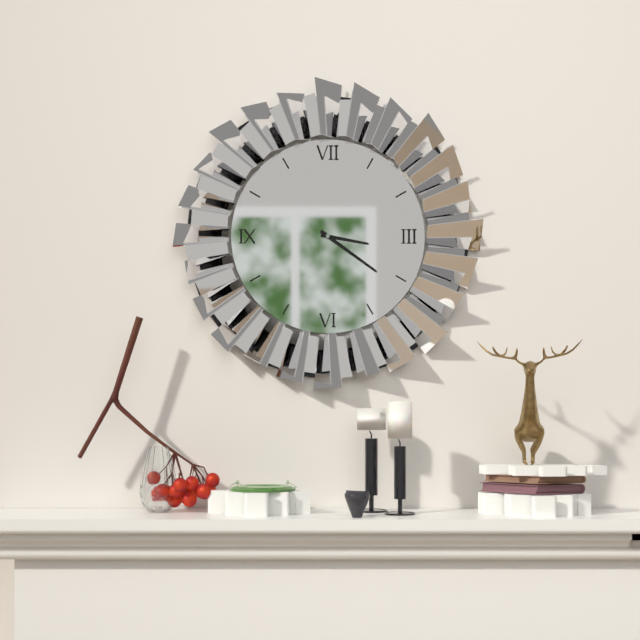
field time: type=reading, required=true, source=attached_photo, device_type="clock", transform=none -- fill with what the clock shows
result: 3:21
